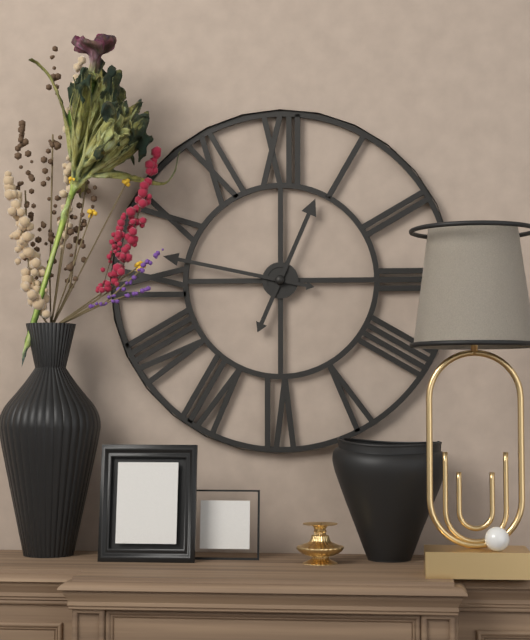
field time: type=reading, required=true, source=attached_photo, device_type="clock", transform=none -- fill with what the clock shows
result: 12:47
